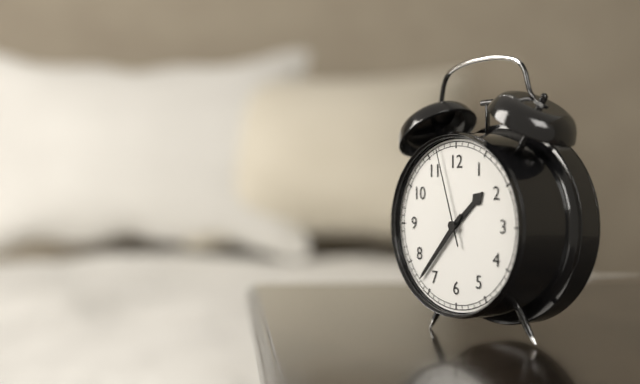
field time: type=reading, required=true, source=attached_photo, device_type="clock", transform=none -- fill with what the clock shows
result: 1:37:57
